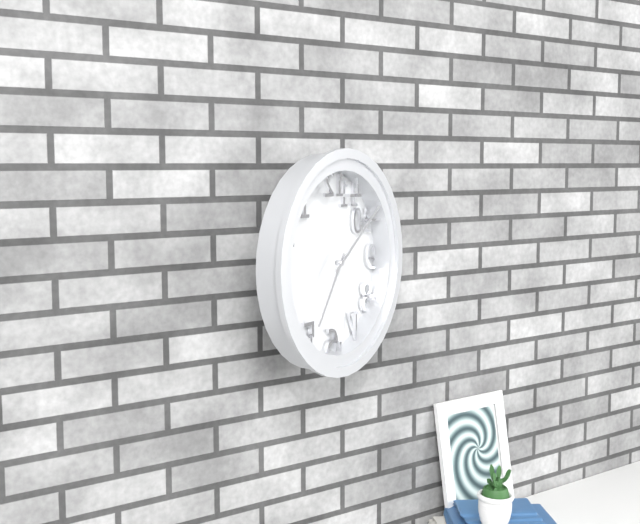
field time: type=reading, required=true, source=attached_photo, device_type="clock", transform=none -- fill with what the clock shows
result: 7:09
